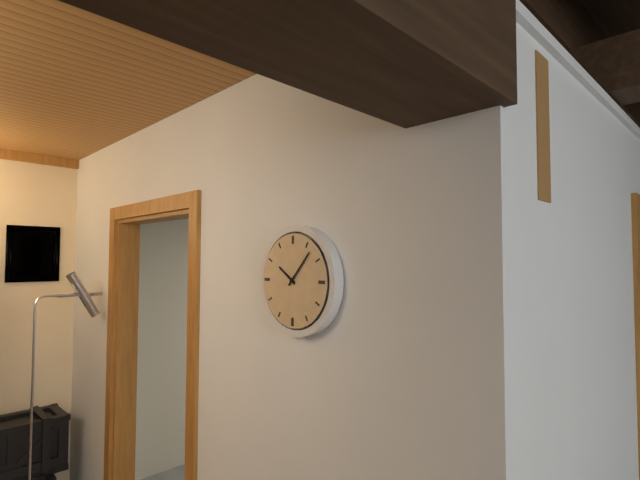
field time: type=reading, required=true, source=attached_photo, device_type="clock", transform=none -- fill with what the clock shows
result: 10:07
